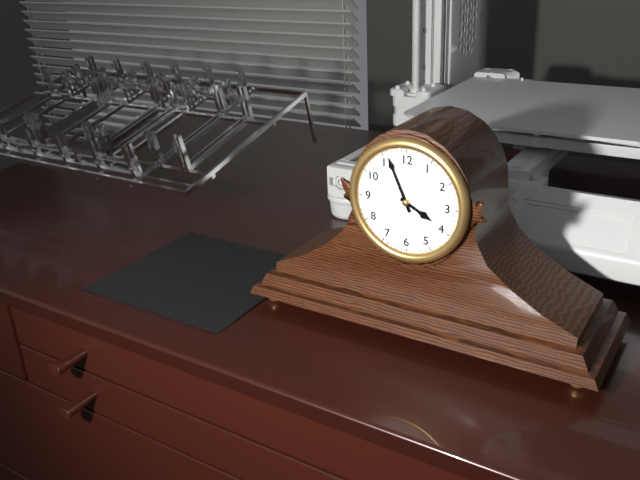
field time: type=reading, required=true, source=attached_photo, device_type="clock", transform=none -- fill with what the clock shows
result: 3:56
